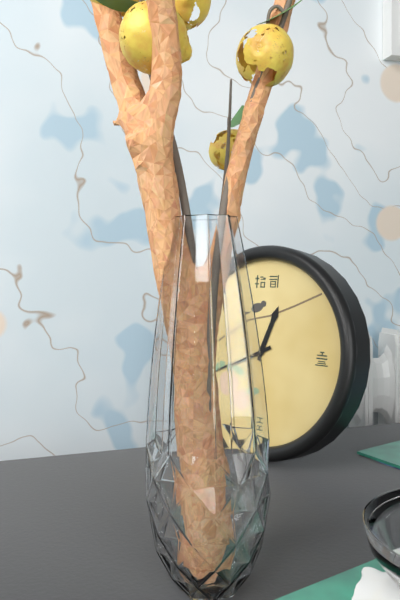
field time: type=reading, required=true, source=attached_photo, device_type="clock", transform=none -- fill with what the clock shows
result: 12:41
